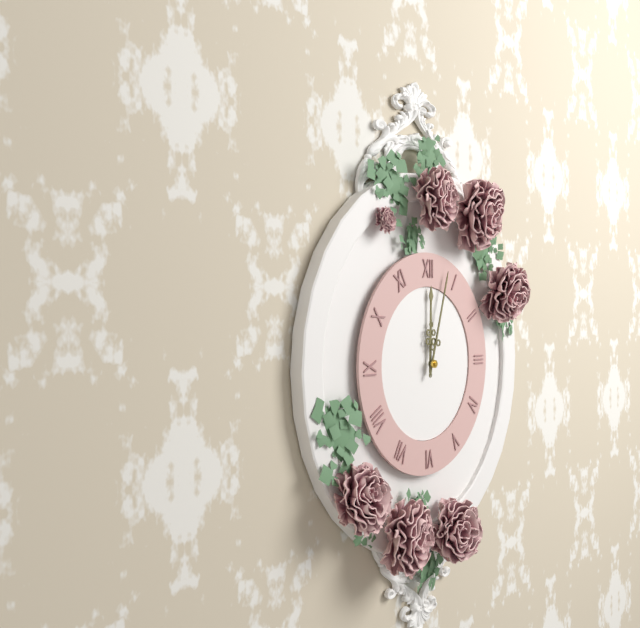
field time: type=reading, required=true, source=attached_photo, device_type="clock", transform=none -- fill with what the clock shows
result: 12:03
